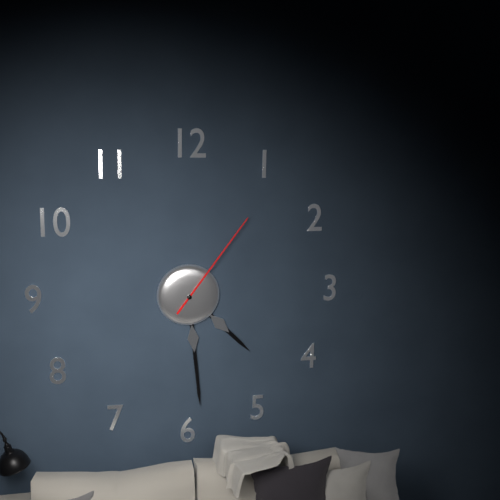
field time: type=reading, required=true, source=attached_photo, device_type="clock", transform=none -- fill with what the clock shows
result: 4:29:06
